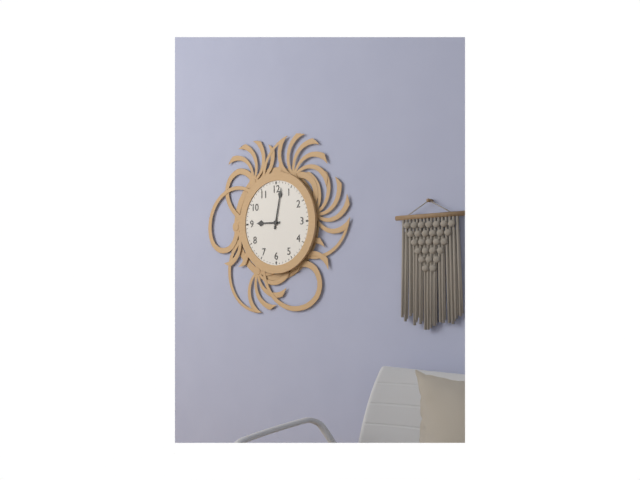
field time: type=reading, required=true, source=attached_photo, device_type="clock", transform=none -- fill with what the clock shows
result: 9:02
